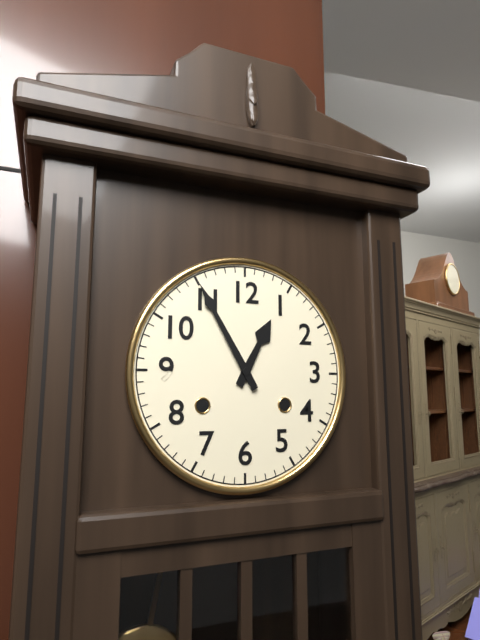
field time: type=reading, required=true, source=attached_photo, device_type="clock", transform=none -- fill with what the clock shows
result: 12:55
